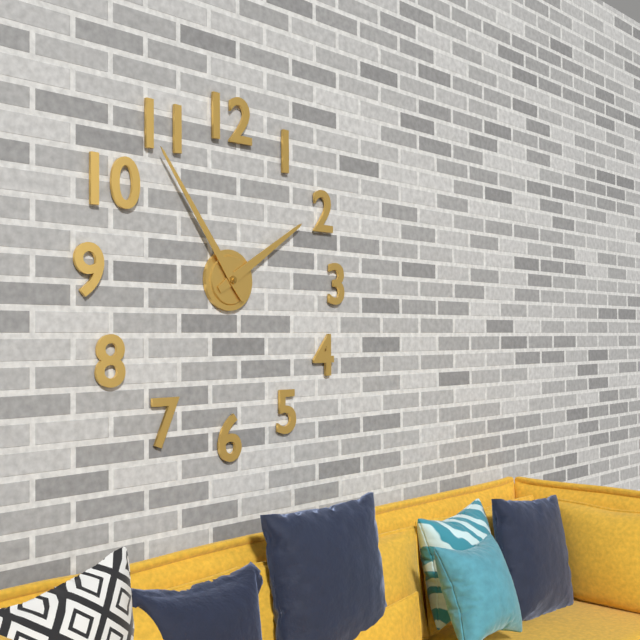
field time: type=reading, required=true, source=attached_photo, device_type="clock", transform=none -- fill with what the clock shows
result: 1:54
